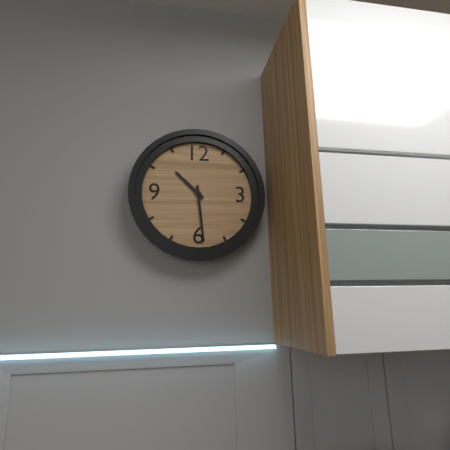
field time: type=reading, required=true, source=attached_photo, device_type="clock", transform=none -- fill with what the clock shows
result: 10:29
